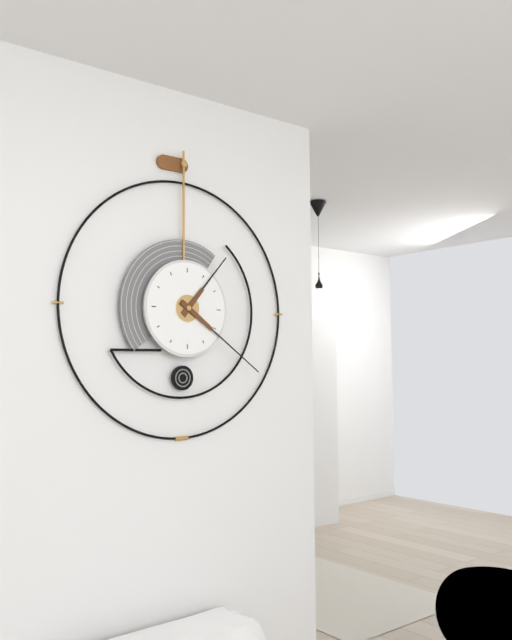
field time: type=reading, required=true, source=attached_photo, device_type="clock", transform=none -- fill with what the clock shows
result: 1:21
